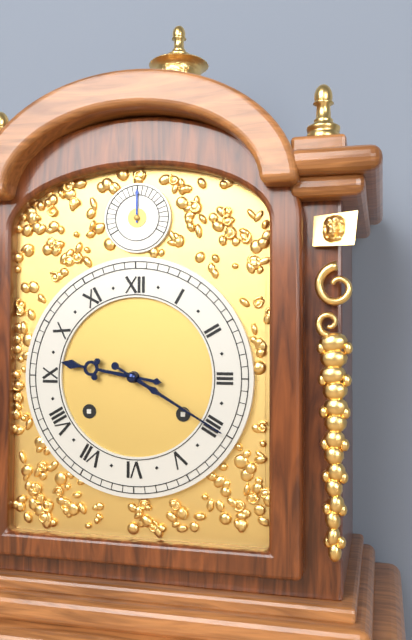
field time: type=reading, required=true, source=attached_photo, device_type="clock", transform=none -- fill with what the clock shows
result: 9:20
